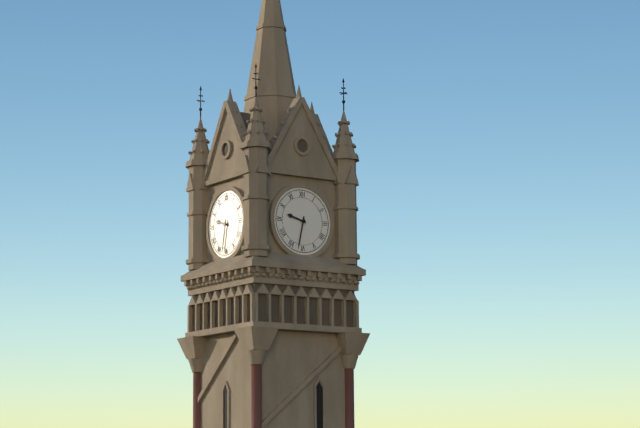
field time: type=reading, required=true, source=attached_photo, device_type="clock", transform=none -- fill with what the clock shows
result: 9:32
